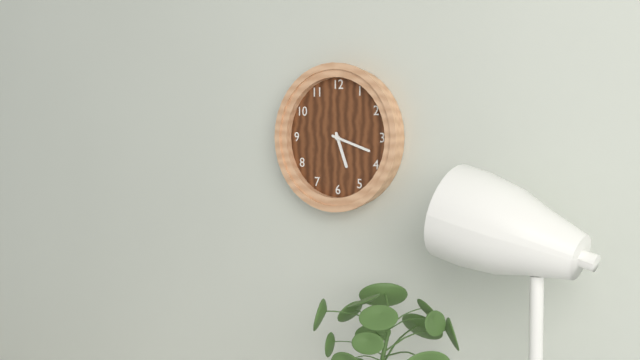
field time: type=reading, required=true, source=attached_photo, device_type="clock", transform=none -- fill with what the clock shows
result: 5:18
